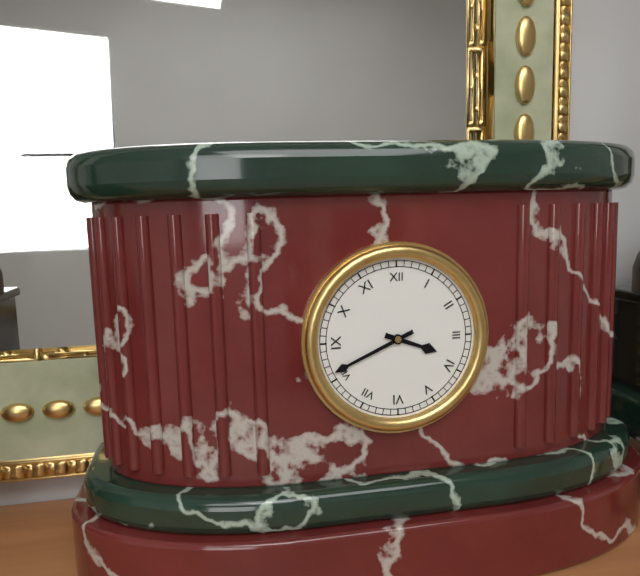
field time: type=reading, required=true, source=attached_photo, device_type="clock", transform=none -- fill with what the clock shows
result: 3:41
